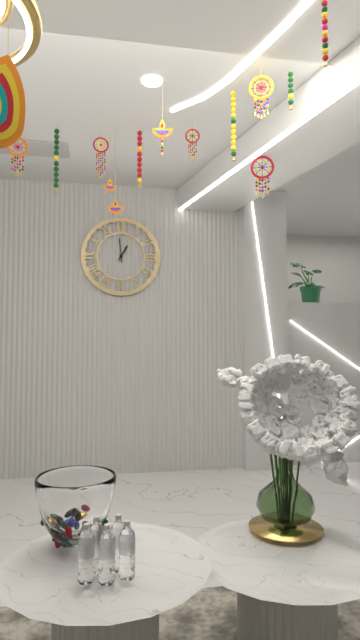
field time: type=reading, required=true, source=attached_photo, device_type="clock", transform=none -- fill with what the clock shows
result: 12:59
